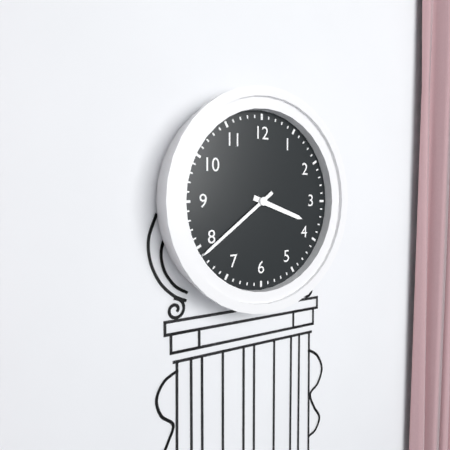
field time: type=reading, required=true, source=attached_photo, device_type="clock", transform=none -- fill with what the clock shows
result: 3:39
